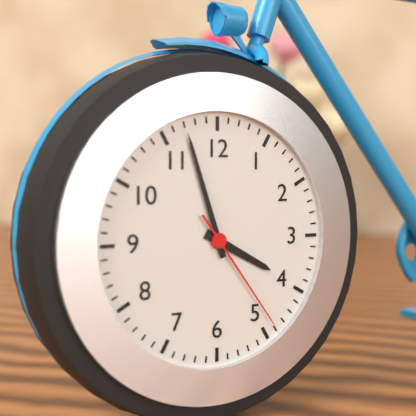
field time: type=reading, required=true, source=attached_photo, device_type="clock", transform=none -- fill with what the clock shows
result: 3:57:24
